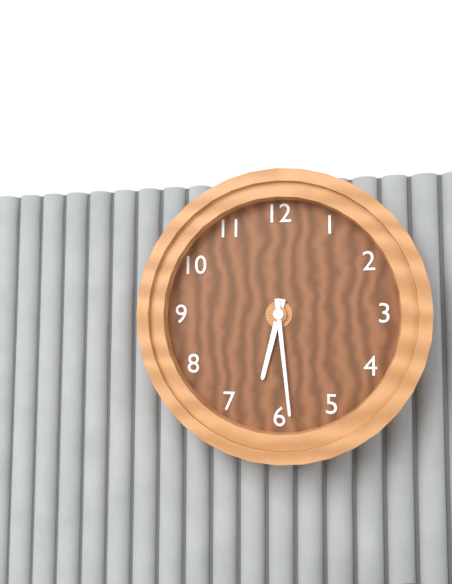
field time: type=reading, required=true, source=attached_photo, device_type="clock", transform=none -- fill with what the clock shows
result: 6:29
